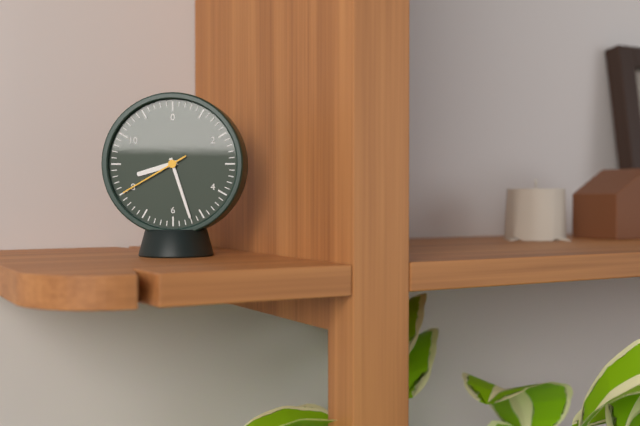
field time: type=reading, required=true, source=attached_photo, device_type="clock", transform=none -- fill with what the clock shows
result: 8:27:40
